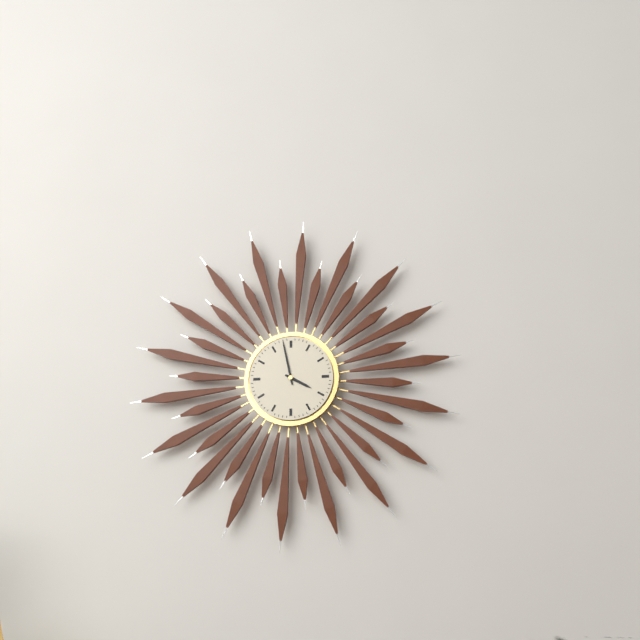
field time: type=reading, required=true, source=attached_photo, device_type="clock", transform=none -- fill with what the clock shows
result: 3:58
